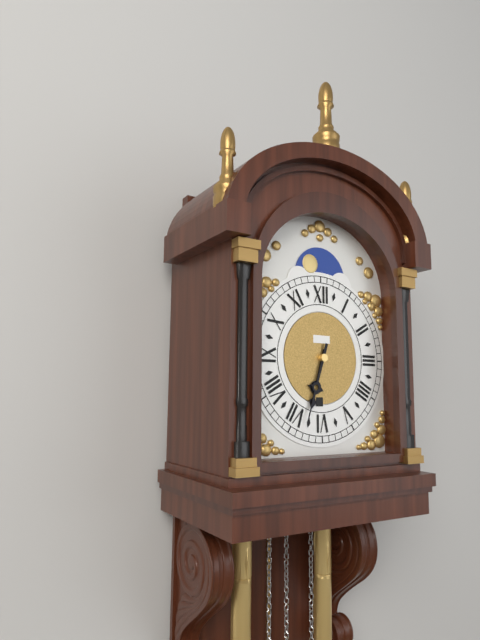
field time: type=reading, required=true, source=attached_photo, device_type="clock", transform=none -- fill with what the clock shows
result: 6:33
